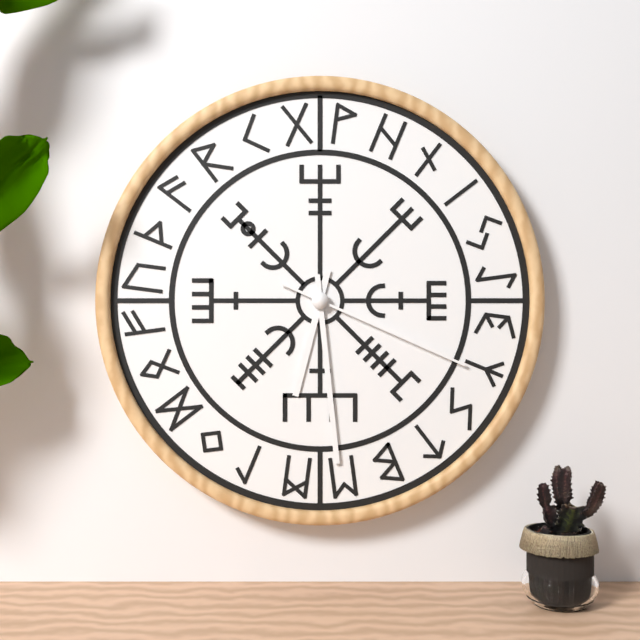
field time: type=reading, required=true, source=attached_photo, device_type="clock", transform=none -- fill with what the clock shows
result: 6:29:19
